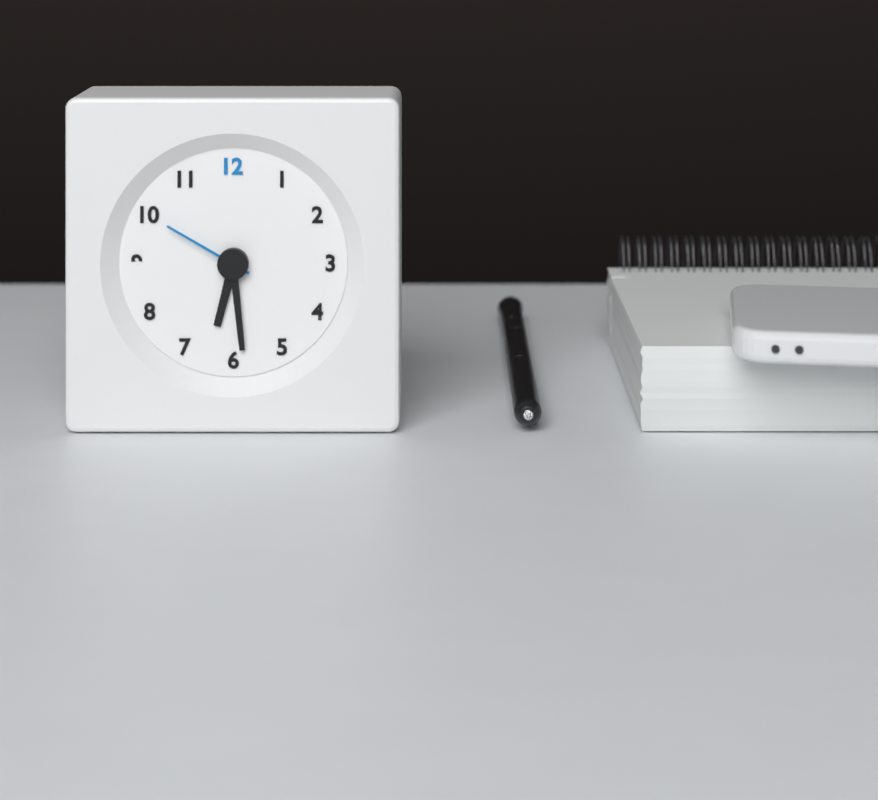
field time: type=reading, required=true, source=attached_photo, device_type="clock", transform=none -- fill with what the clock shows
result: 6:29:50
